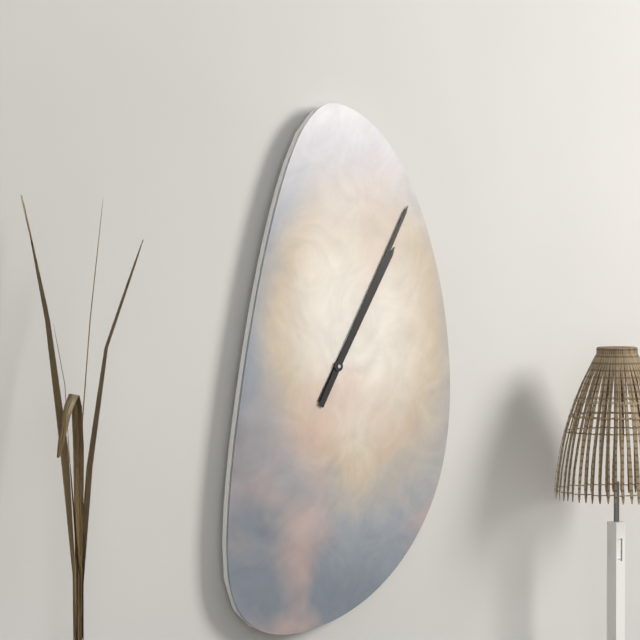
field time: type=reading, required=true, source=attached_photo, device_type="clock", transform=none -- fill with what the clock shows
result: 1:05
